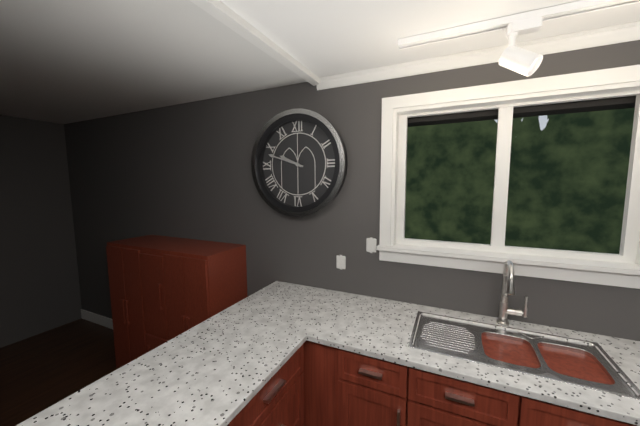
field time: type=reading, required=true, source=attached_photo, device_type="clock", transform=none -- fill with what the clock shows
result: 9:48
